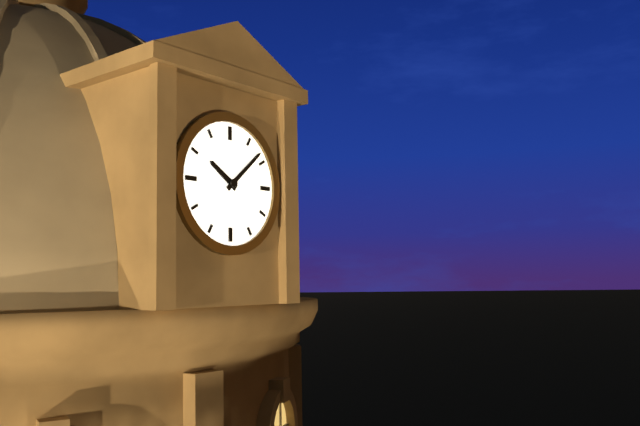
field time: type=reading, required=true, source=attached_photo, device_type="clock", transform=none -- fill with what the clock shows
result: 10:08
